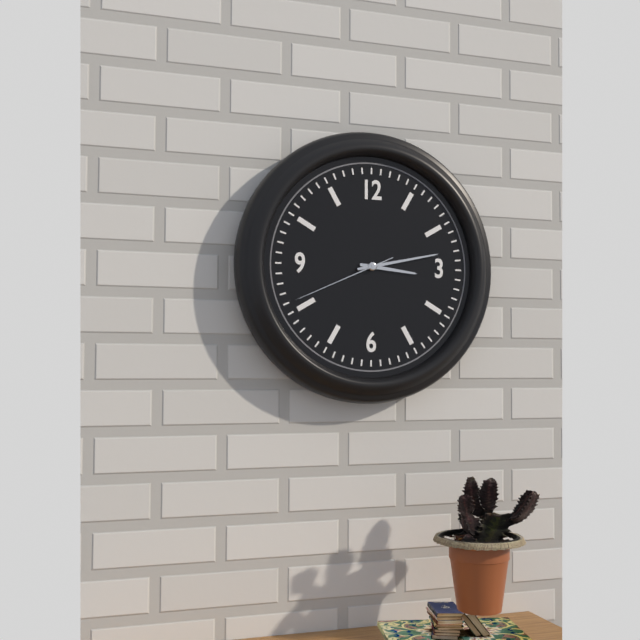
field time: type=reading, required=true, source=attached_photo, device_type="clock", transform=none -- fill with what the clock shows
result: 3:13:41
